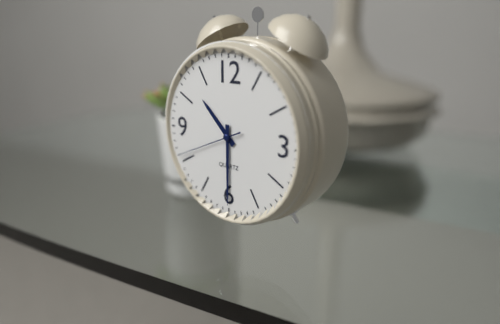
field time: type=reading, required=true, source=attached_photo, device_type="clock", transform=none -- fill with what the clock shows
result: 10:30:41
